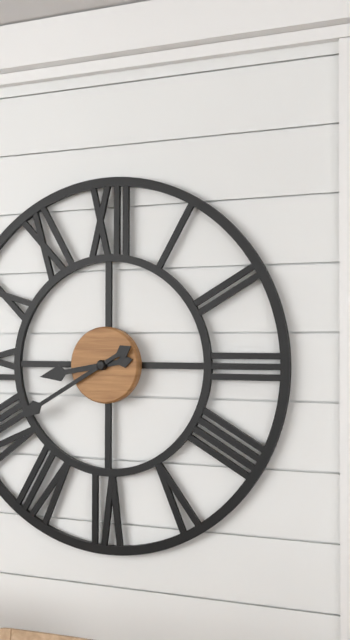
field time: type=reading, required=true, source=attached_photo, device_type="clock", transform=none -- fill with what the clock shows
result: 8:40
